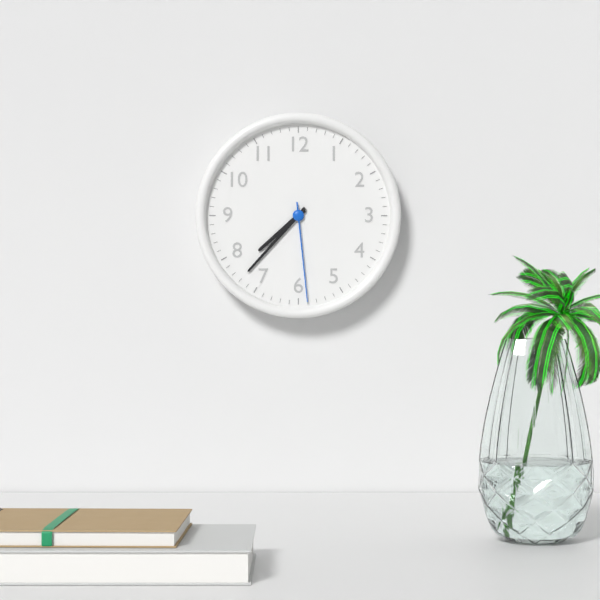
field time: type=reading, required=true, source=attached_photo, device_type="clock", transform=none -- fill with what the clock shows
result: 7:37:29
